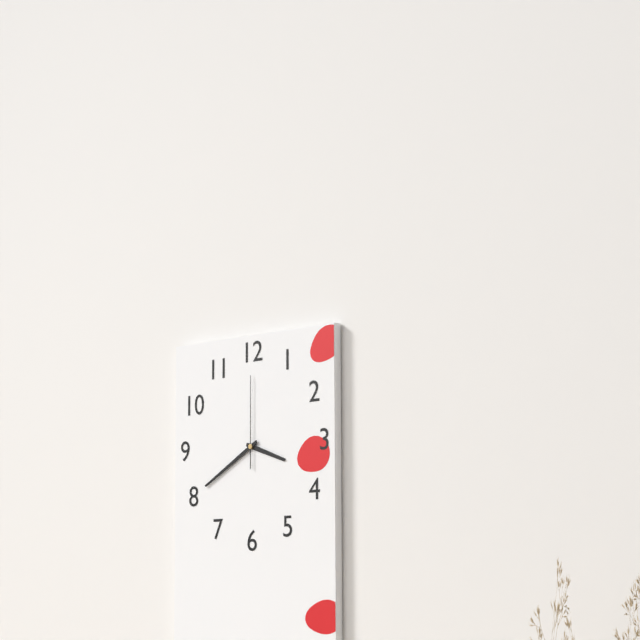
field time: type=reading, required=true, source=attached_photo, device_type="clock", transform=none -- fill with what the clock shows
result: 3:40:00
